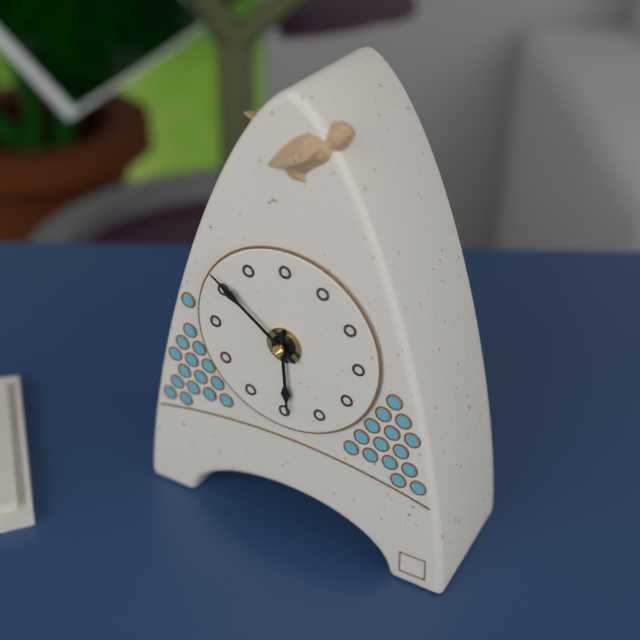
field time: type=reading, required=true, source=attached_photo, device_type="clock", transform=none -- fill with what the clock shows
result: 5:51
